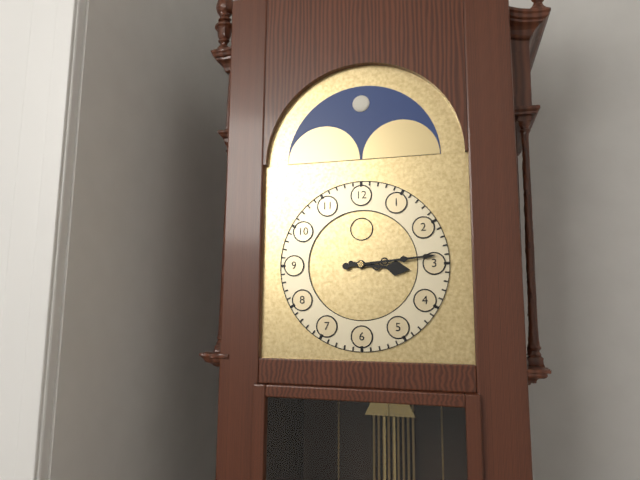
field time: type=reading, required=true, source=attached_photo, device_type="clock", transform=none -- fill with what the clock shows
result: 3:14
